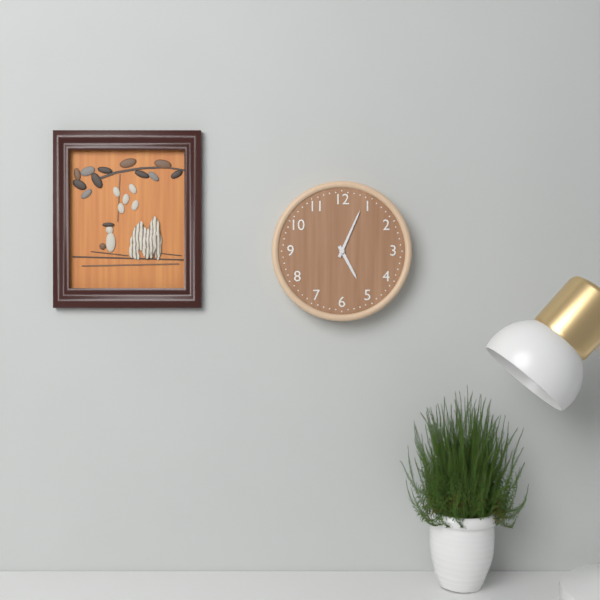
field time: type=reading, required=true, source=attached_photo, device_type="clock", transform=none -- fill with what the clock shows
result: 5:04
